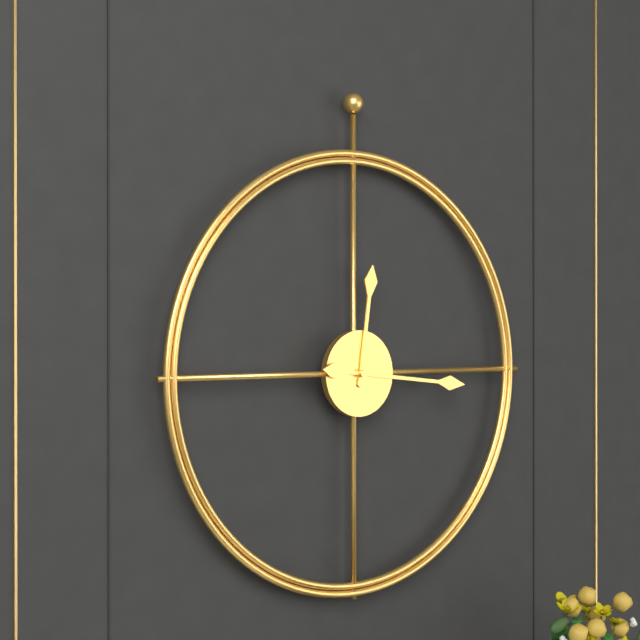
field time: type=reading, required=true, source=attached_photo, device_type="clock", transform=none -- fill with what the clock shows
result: 12:16
